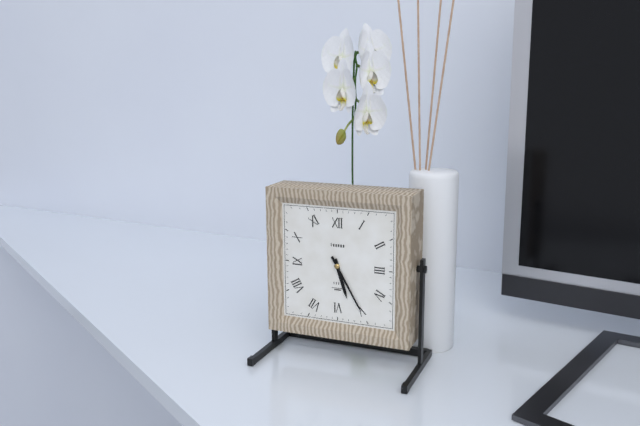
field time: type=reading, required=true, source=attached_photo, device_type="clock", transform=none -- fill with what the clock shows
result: 5:25
